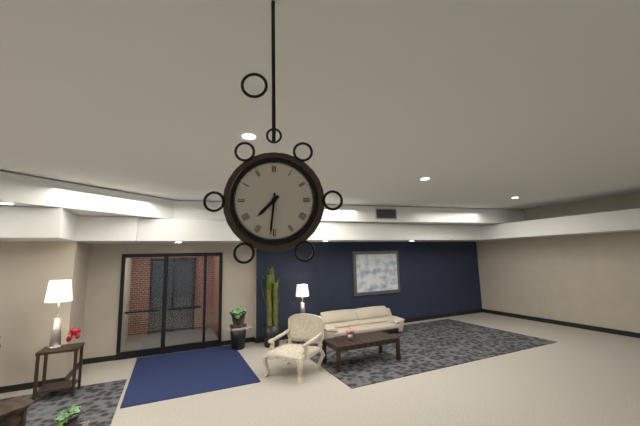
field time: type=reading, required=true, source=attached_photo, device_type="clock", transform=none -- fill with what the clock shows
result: 7:31
